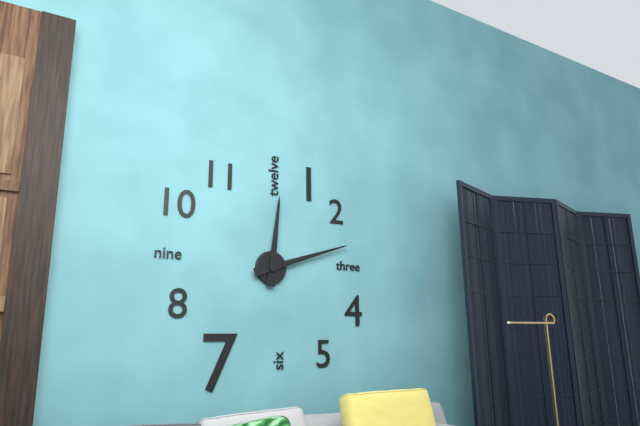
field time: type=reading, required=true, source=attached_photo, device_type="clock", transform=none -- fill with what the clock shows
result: 12:12
